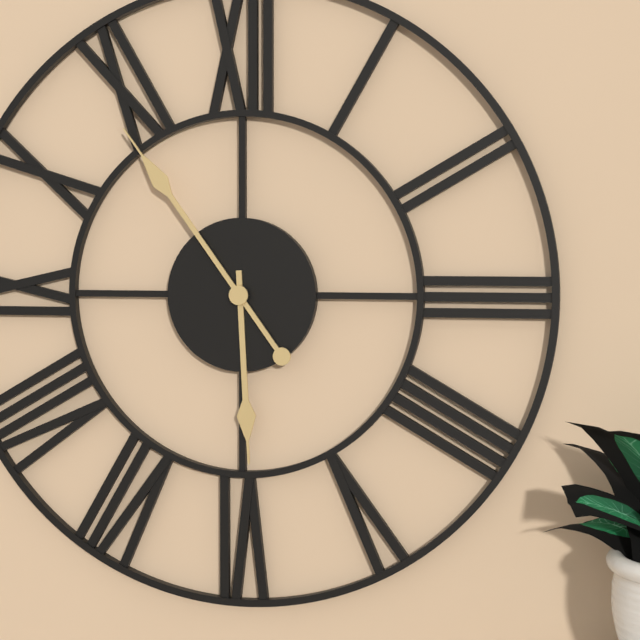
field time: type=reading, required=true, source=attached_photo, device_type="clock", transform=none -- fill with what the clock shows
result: 5:54
